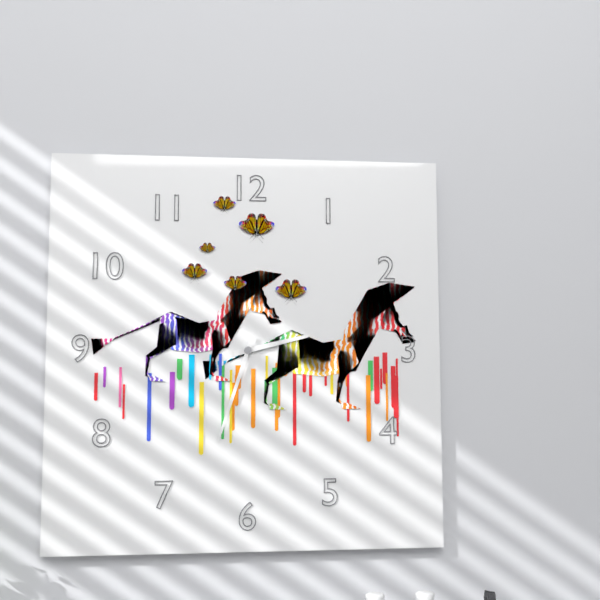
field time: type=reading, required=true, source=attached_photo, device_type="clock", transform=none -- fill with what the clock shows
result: 2:33
